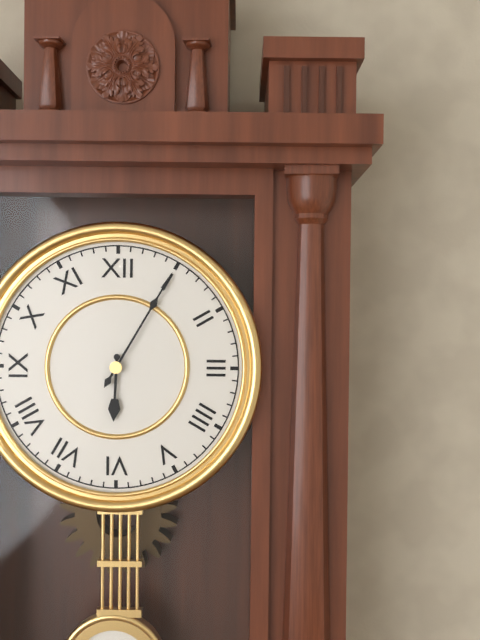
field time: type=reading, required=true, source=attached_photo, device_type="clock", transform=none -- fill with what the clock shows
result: 6:05
